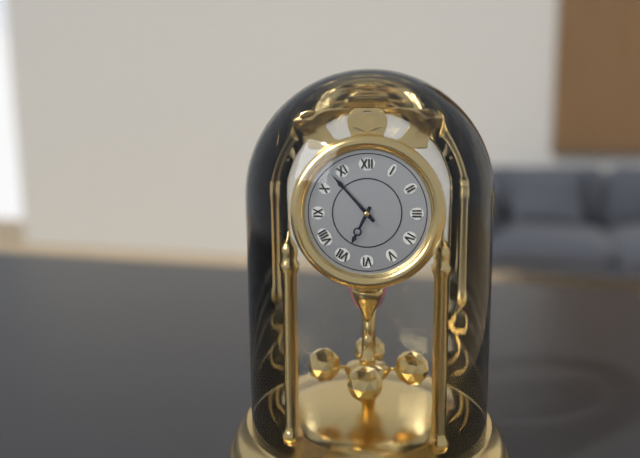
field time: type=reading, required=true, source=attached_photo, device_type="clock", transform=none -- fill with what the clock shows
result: 6:53
